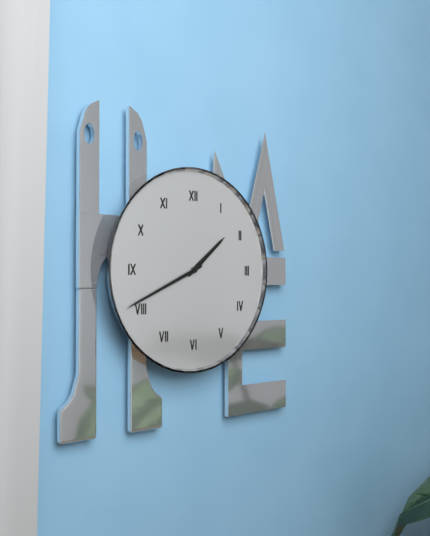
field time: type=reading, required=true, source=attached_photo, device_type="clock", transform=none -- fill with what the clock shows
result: 1:41
